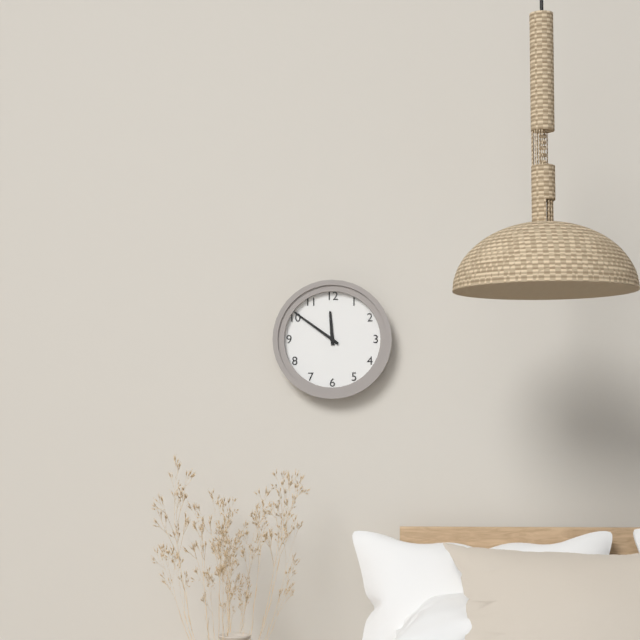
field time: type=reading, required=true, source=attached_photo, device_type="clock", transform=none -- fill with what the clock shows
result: 11:51
